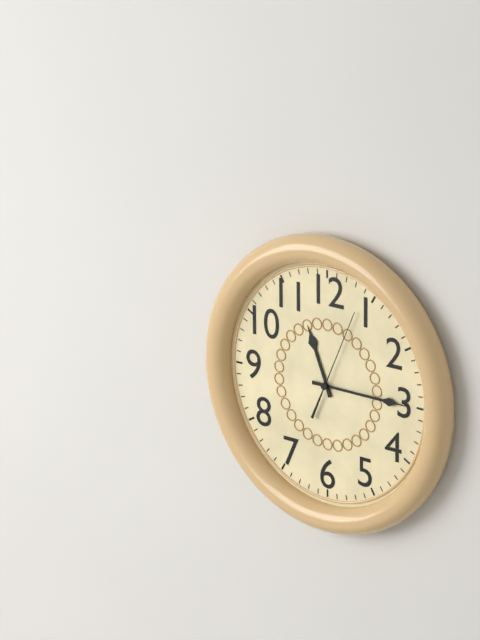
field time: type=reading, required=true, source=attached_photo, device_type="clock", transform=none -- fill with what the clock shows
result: 11:15:04
